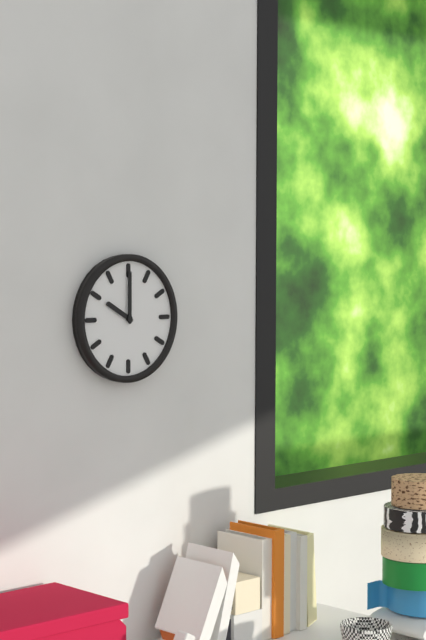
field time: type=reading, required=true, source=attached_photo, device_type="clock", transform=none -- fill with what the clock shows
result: 10:00
